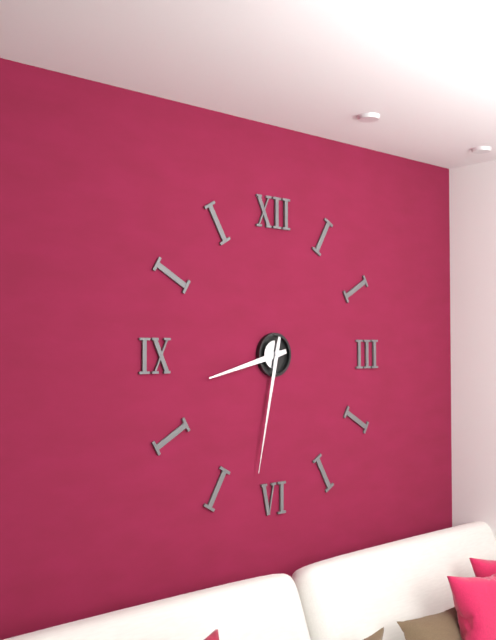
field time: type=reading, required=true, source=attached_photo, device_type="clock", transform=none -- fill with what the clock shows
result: 8:32
